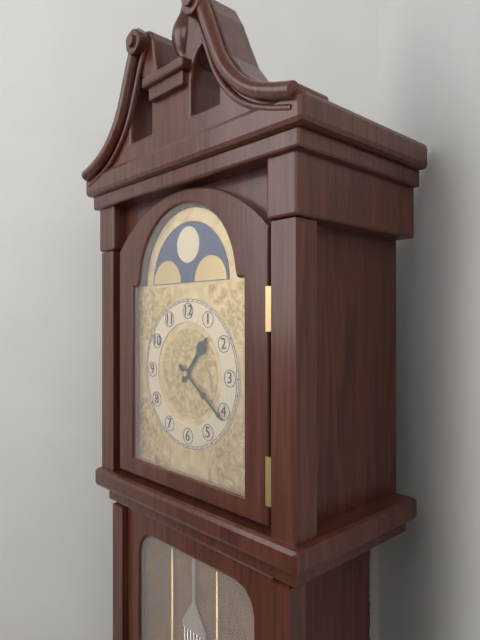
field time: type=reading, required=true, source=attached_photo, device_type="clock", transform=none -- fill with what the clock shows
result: 1:21
